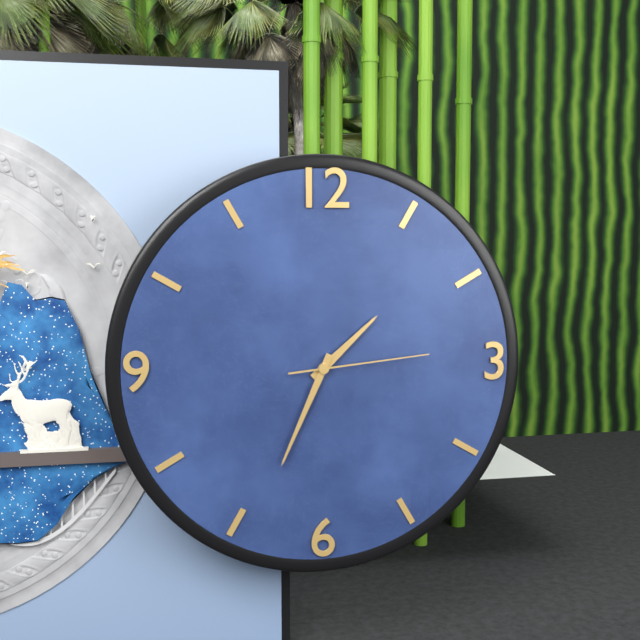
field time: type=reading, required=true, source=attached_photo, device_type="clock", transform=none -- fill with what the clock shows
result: 1:34:14
